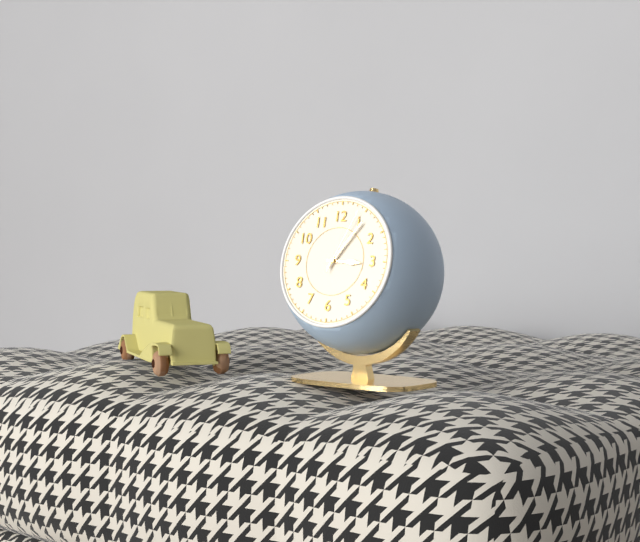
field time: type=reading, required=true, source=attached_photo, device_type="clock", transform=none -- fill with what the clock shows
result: 3:06:04
